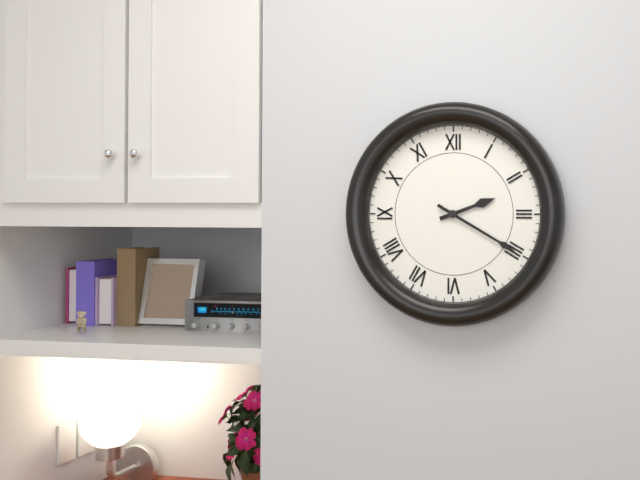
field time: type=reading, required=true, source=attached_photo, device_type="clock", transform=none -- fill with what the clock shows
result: 2:20
